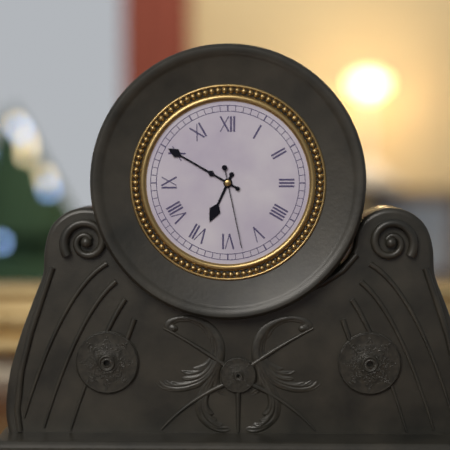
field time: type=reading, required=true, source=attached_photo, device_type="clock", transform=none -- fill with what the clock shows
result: 6:50:28
